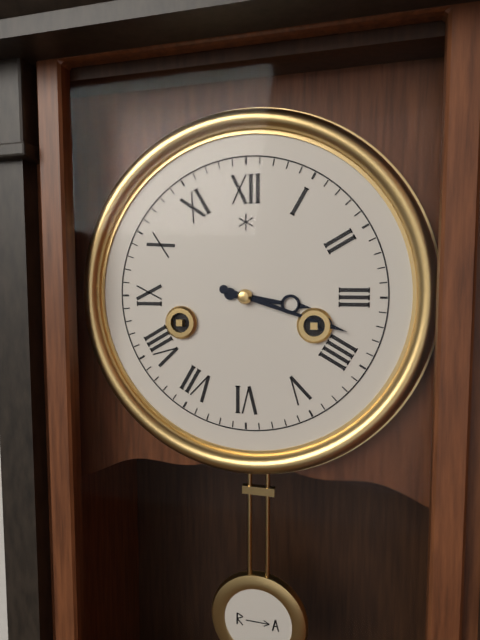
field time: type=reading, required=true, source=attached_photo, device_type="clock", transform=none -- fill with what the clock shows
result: 3:18
